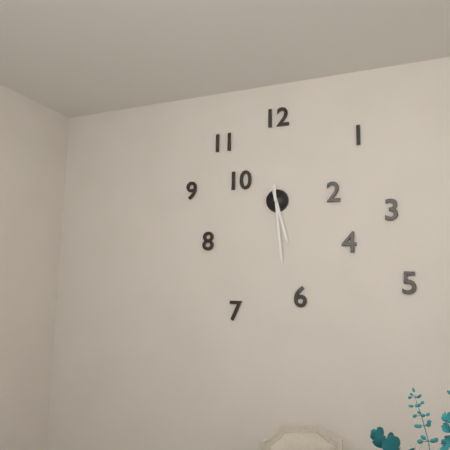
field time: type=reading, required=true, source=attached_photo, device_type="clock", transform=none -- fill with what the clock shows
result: 5:29
